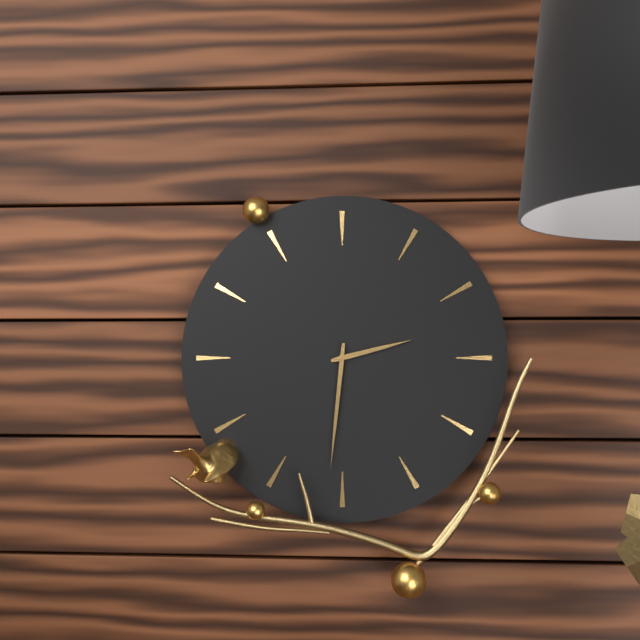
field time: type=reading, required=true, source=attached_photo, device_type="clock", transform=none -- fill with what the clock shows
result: 2:31
